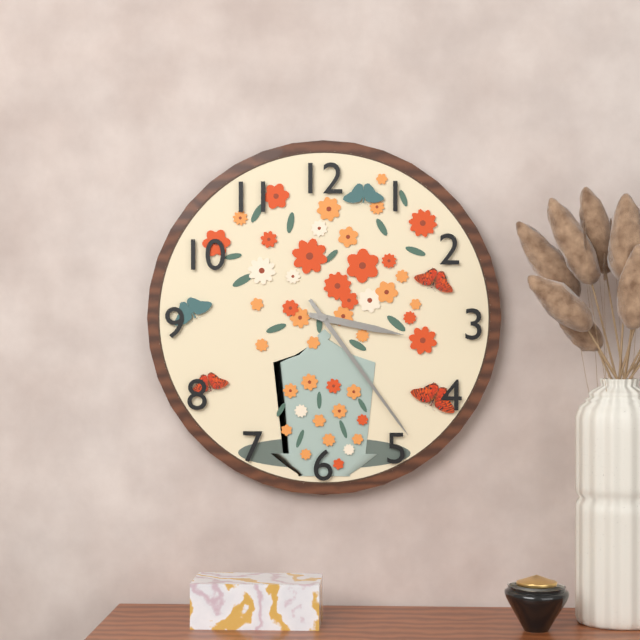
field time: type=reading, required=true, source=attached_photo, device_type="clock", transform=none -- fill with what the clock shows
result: 3:24
